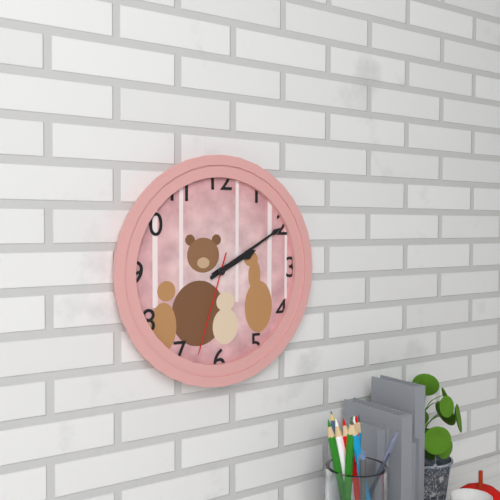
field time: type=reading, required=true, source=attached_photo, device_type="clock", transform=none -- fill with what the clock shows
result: 2:10:33
